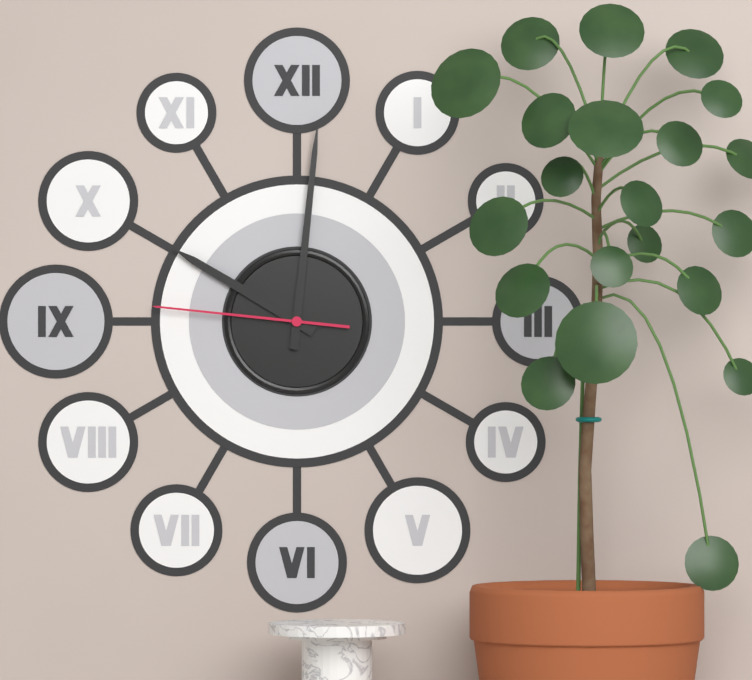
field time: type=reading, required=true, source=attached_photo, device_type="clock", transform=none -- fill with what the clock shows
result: 10:01:46
